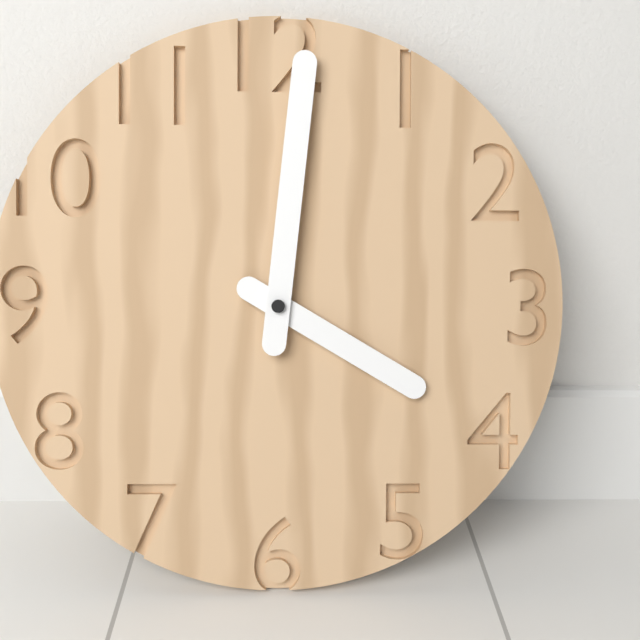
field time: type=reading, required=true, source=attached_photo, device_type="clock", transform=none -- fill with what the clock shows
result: 4:01
